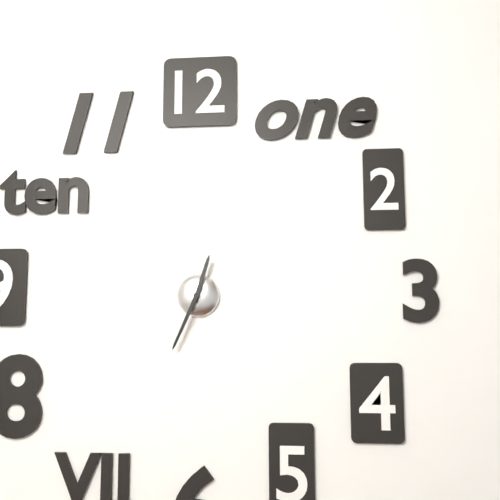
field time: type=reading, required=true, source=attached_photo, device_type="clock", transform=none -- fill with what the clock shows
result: 12:34
